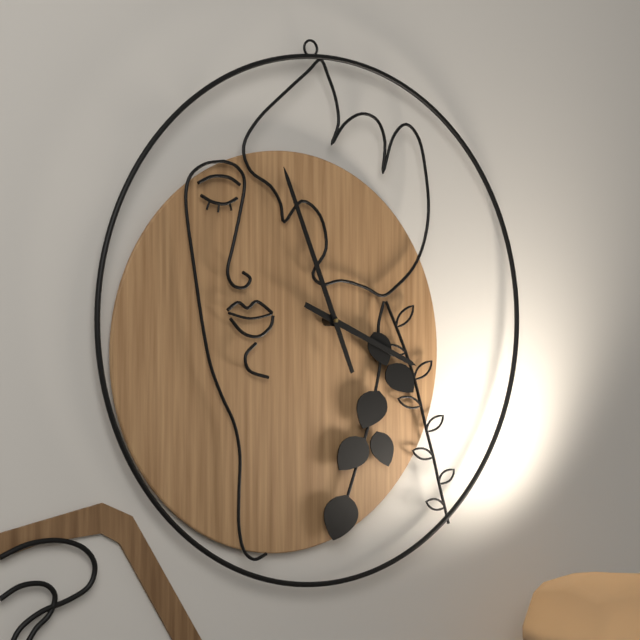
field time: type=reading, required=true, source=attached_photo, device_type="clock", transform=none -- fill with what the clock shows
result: 3:57
